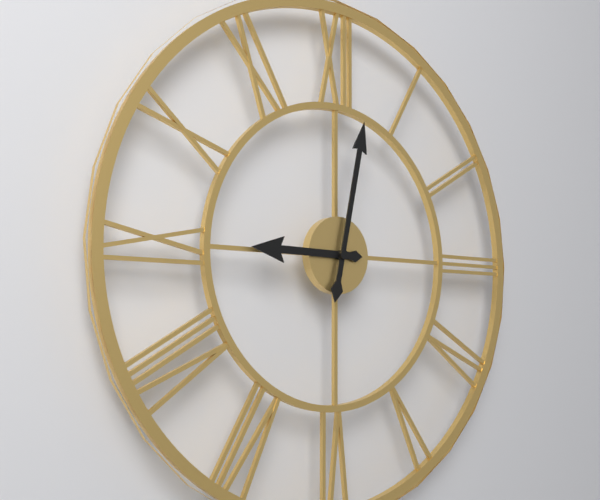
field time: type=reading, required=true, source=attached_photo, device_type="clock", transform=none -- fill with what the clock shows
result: 9:02
